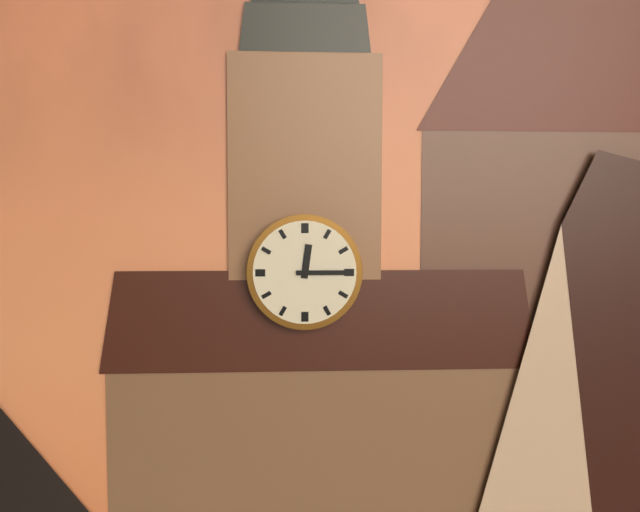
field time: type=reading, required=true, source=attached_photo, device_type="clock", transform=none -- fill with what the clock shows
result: 12:15
